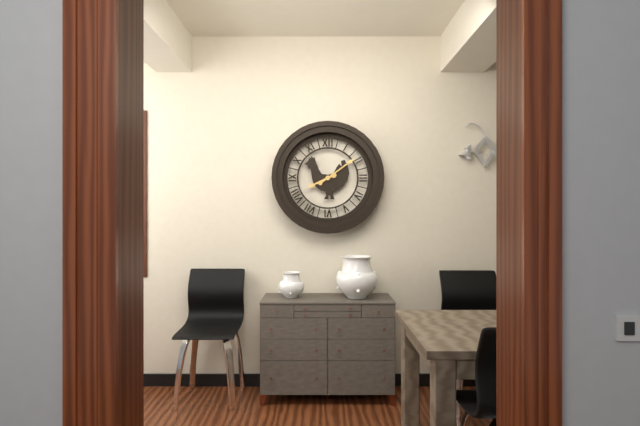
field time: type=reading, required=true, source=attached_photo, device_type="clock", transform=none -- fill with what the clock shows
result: 8:09
